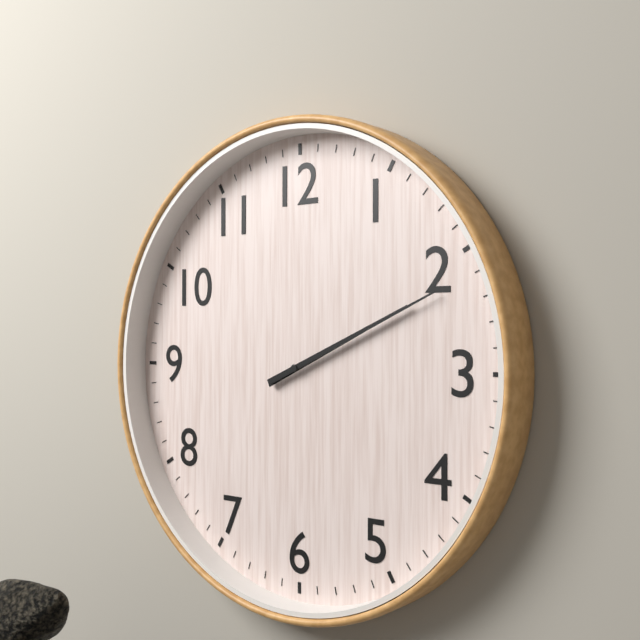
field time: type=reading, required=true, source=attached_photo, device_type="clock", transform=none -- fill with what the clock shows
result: 2:11
